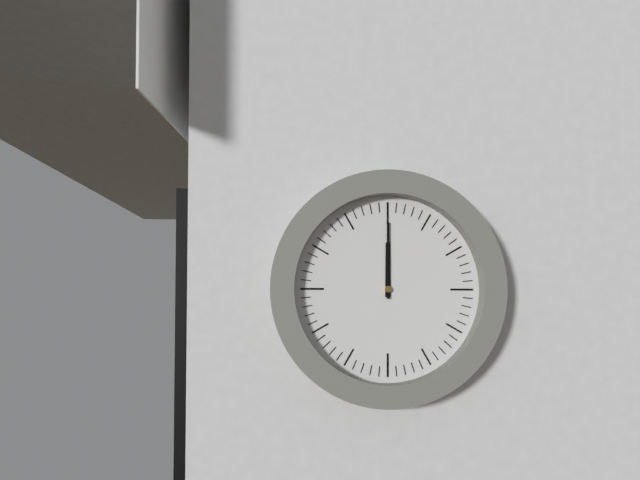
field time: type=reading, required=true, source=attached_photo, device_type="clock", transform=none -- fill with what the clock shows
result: 12:00
